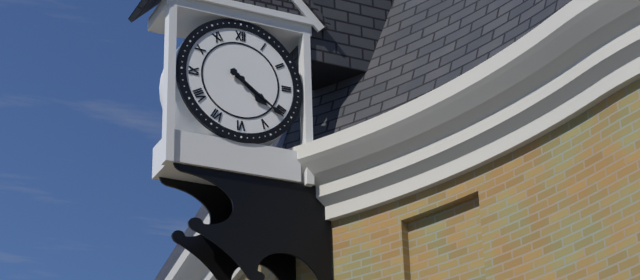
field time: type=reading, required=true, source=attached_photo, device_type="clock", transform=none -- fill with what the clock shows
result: 4:21
